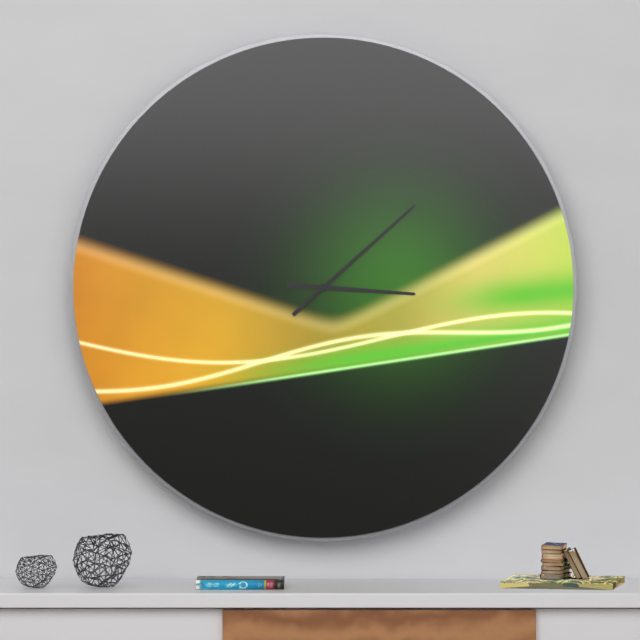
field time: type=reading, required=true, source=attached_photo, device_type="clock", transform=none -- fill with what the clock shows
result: 3:08
